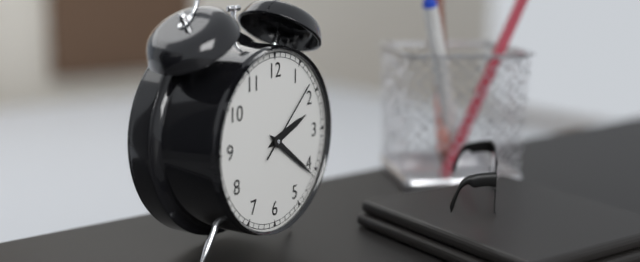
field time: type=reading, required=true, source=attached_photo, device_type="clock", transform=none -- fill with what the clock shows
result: 2:21:08
